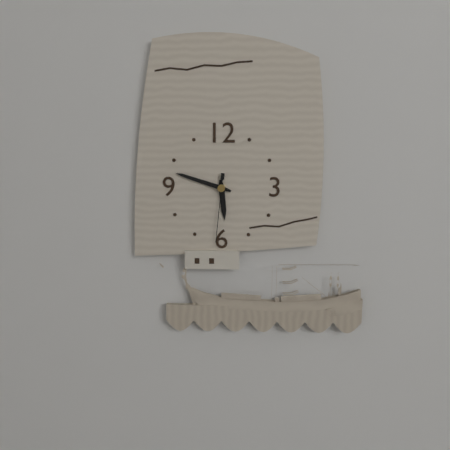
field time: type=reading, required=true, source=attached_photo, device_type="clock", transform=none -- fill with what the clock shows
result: 5:48:31
